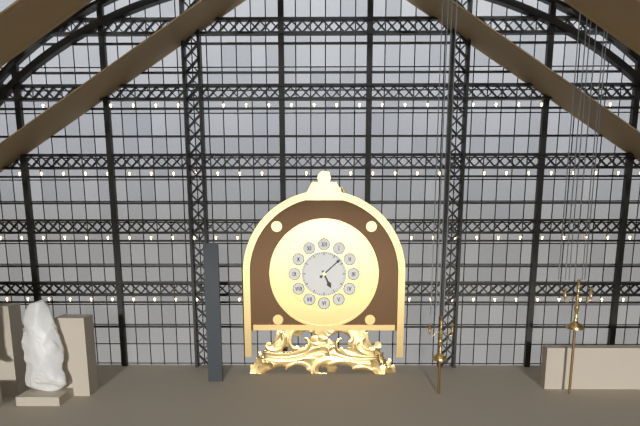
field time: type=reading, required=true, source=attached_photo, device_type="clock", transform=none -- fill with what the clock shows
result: 5:08
